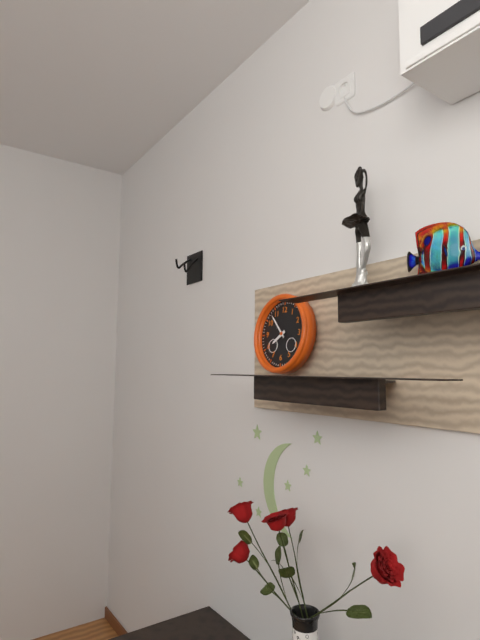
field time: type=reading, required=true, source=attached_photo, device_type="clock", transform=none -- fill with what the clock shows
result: 7:53
